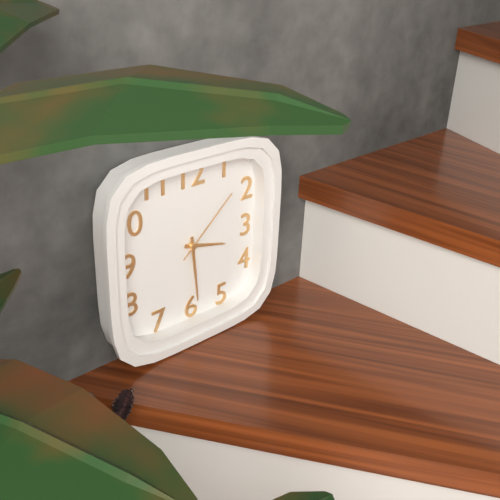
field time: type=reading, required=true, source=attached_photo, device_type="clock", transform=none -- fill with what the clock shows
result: 3:29:08
